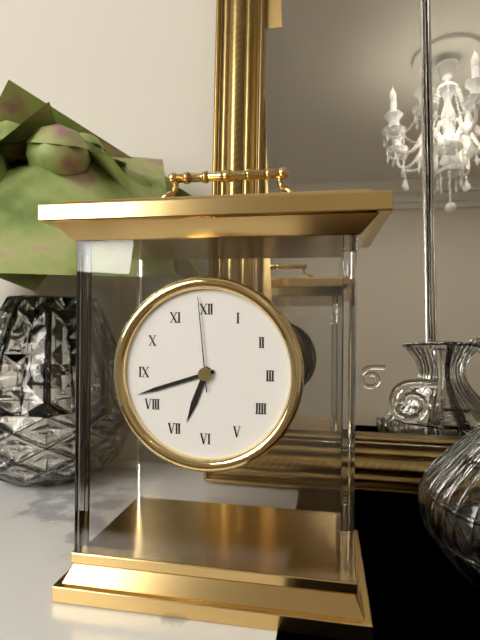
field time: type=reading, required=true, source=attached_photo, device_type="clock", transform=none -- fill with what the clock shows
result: 6:42:59
